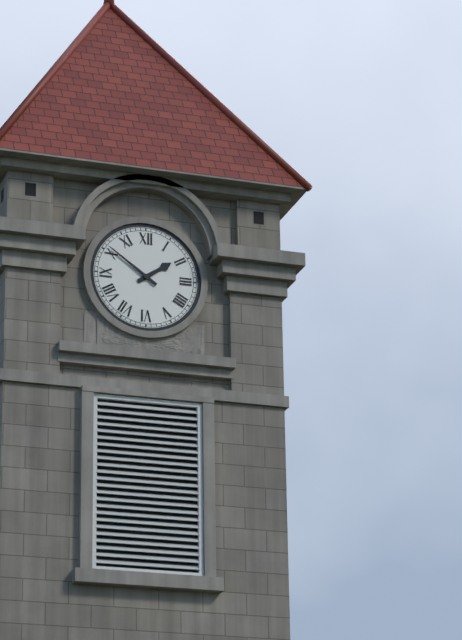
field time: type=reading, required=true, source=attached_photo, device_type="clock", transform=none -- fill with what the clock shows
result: 1:51
